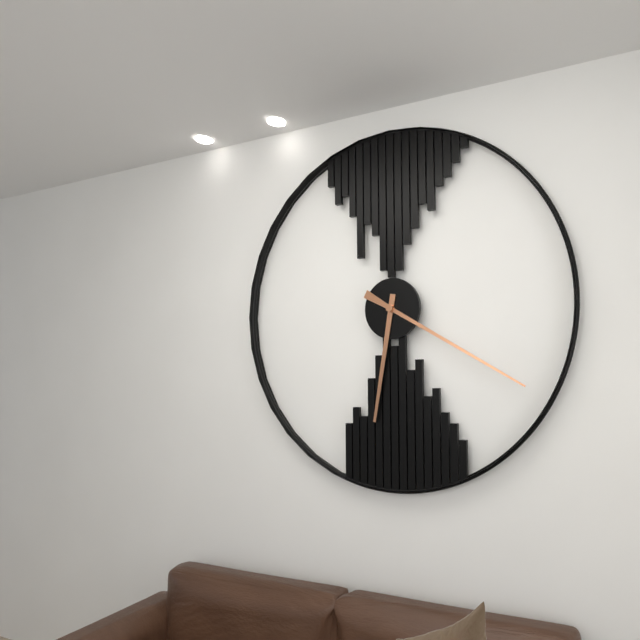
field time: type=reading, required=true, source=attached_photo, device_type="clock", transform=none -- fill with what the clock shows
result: 6:20
